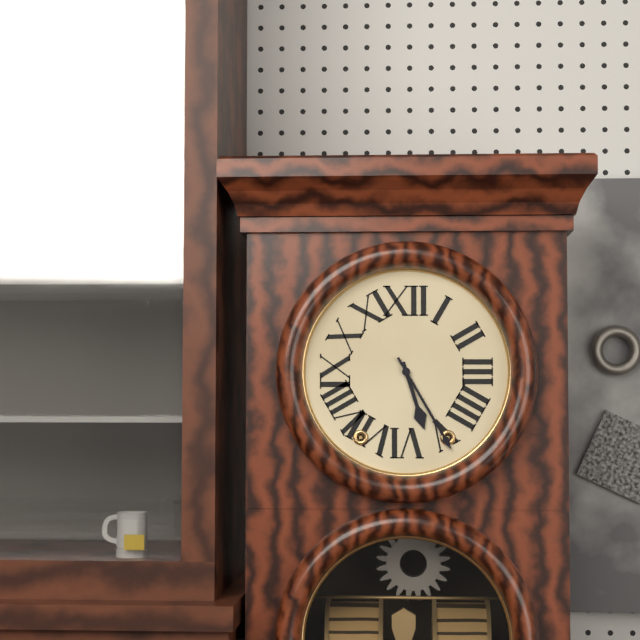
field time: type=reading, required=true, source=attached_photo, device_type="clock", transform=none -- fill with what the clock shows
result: 5:25
